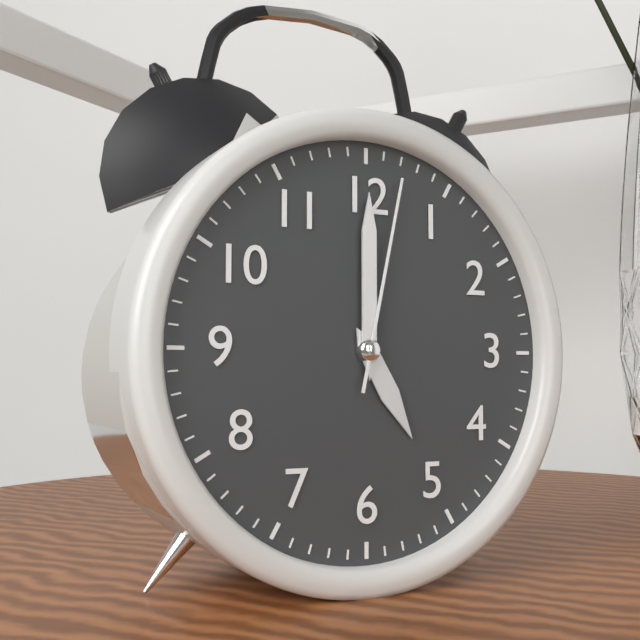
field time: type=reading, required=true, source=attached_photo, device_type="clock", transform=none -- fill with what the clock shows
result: 5:00:02
